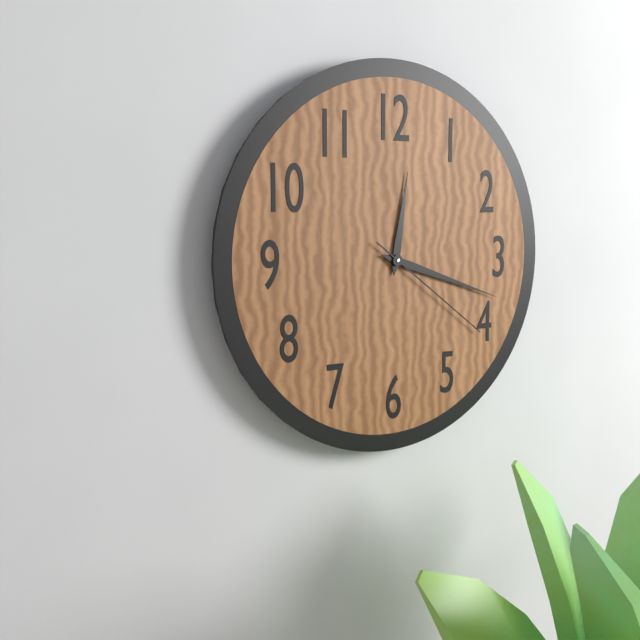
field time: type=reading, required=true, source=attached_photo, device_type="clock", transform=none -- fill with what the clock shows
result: 12:18:21
